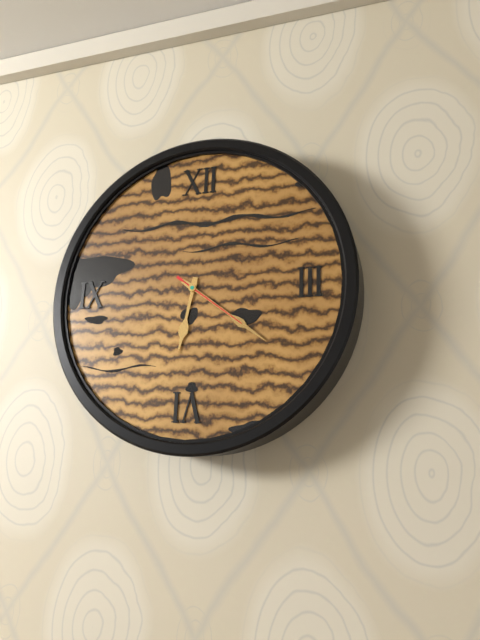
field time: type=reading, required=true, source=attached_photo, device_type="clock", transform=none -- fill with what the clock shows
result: 6:21:21
